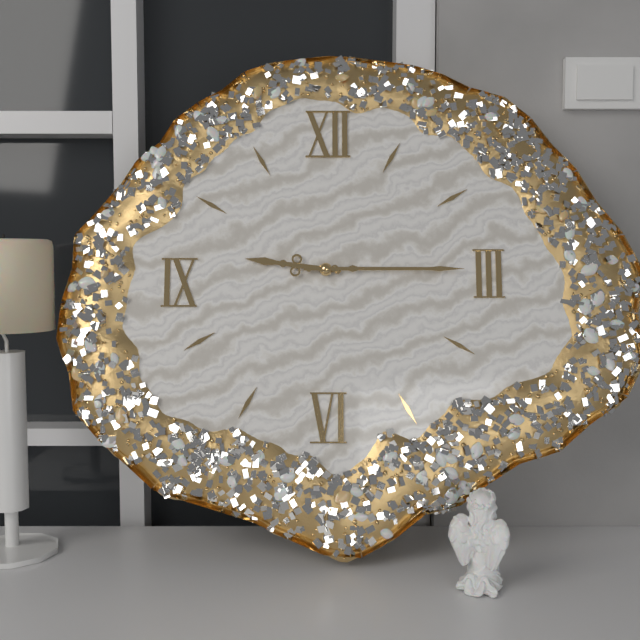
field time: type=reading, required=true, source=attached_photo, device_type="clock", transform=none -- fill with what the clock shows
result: 9:15
